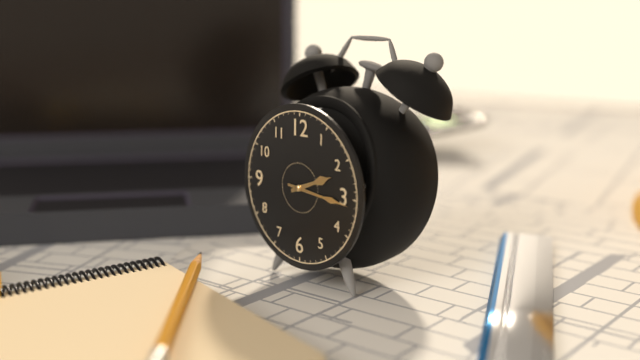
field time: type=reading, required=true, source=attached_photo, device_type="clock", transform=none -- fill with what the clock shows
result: 2:16
